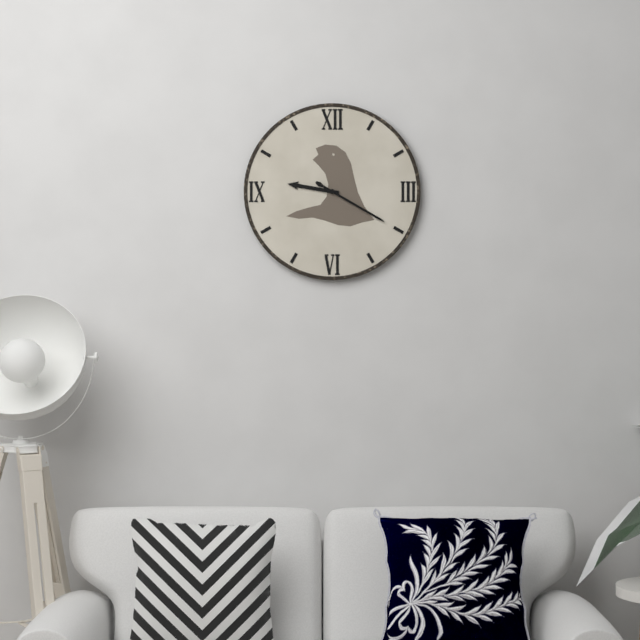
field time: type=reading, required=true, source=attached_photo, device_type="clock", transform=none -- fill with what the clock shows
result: 9:20
